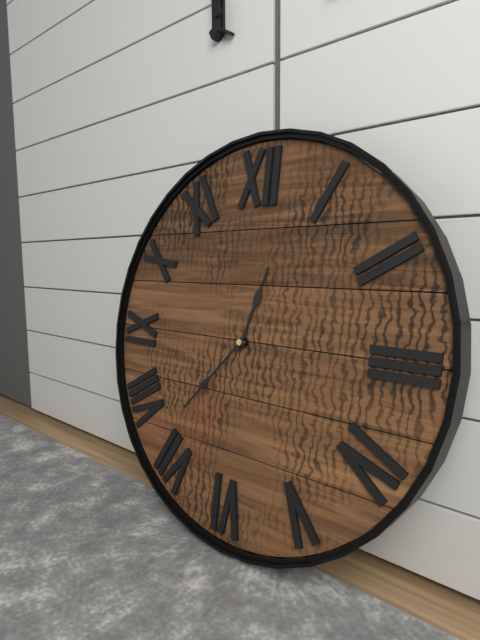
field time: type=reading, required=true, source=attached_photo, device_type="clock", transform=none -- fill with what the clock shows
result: 12:37
